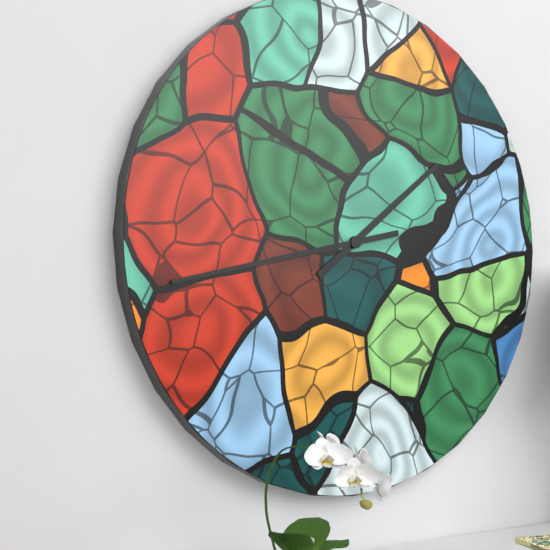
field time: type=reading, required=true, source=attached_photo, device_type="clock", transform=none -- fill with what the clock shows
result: 1:43
